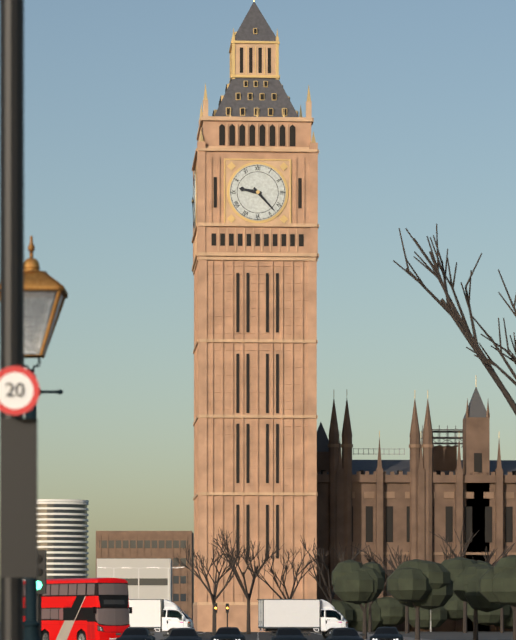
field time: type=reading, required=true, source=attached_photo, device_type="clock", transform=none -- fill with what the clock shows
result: 9:23
